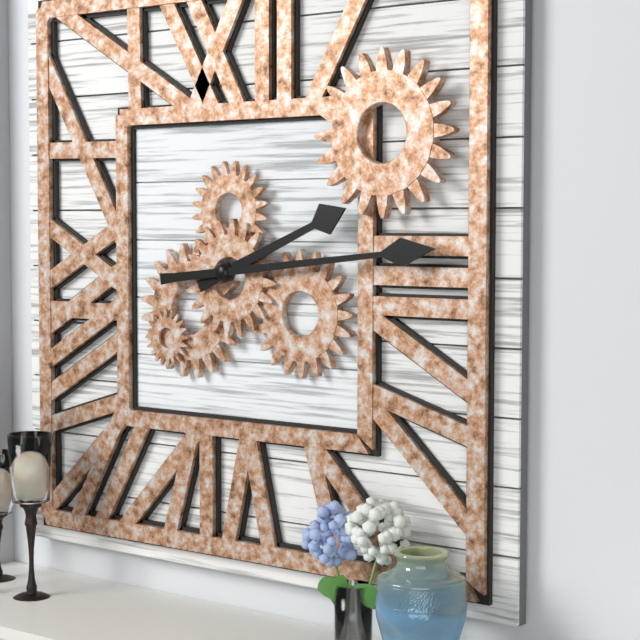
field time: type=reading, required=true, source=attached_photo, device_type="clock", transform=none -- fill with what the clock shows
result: 2:14
